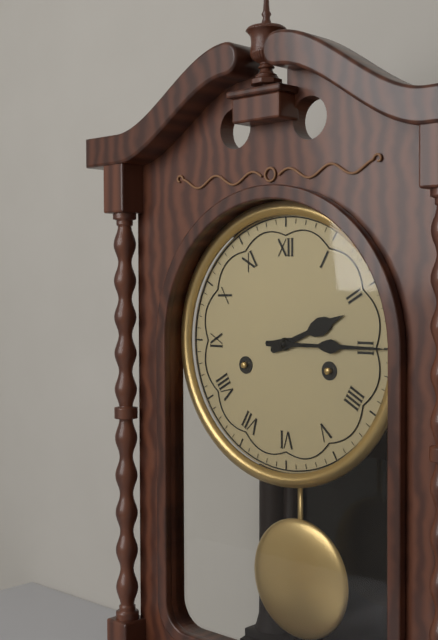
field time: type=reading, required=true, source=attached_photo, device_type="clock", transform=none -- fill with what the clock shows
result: 2:15
